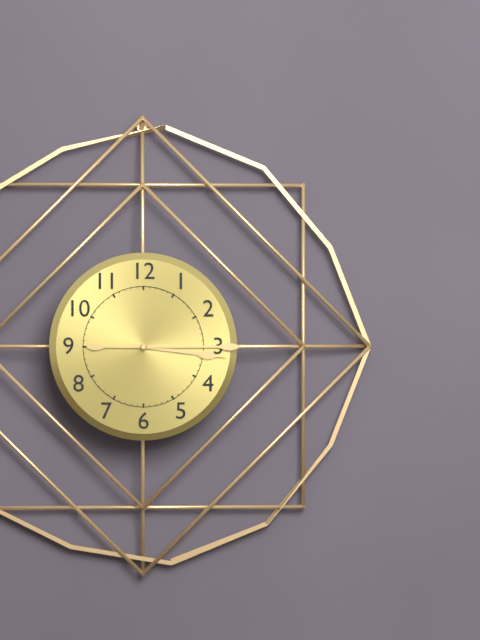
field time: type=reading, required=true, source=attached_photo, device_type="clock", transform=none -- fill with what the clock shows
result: 3:15
